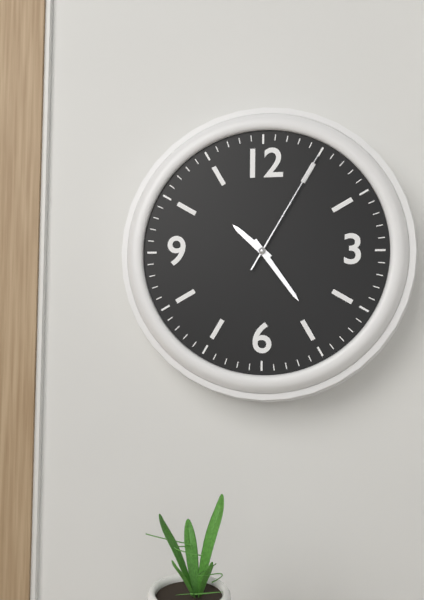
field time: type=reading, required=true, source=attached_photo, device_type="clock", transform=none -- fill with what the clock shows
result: 10:24:05
